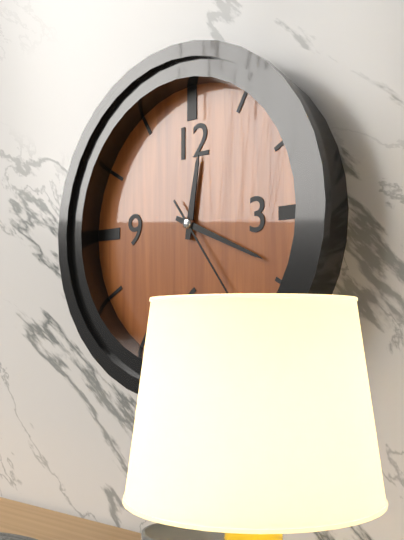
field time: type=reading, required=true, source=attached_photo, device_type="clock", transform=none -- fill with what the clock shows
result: 12:19:24
